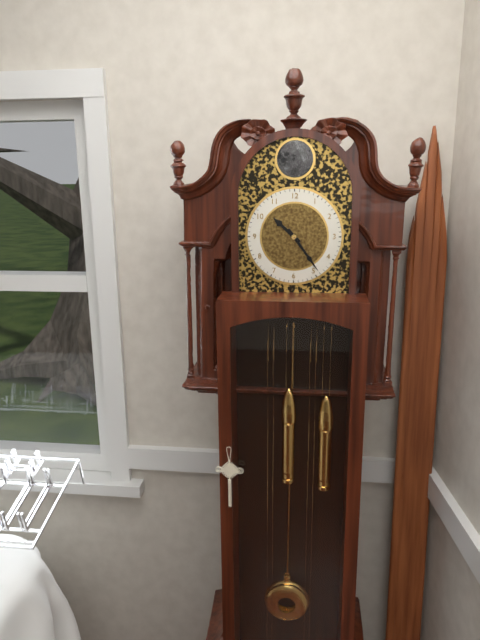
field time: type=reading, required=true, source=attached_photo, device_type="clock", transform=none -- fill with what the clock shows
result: 10:24
